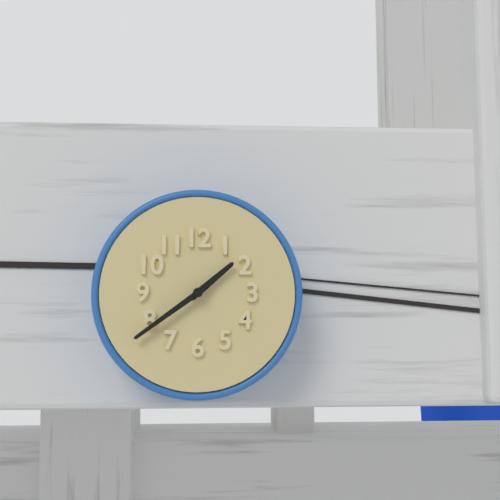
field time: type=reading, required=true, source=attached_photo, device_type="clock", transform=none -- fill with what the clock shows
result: 1:39
